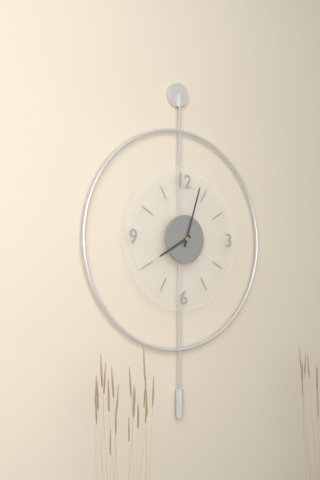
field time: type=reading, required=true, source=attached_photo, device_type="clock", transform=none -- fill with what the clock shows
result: 8:03
